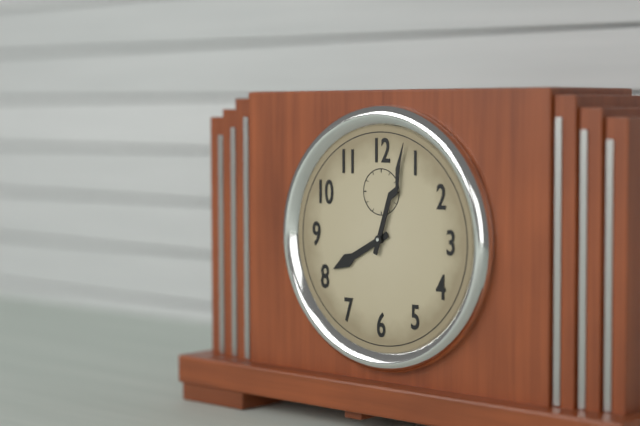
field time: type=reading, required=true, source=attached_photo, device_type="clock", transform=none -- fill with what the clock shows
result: 8:03
